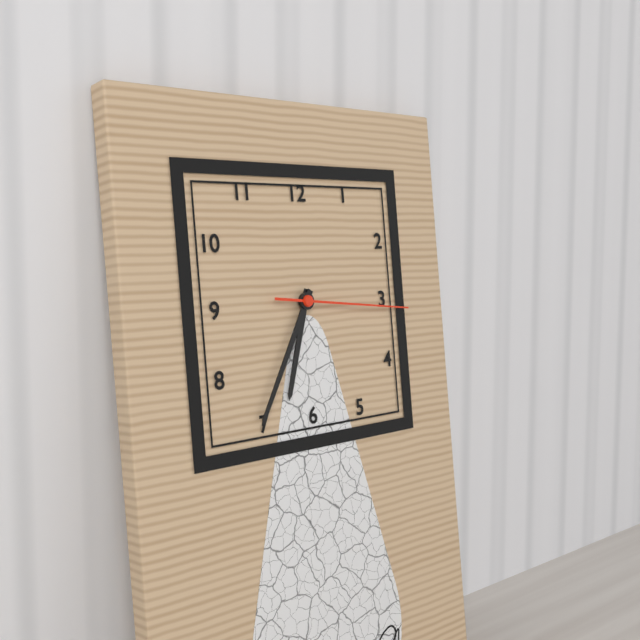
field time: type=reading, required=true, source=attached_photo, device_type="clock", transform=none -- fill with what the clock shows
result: 6:35:16
